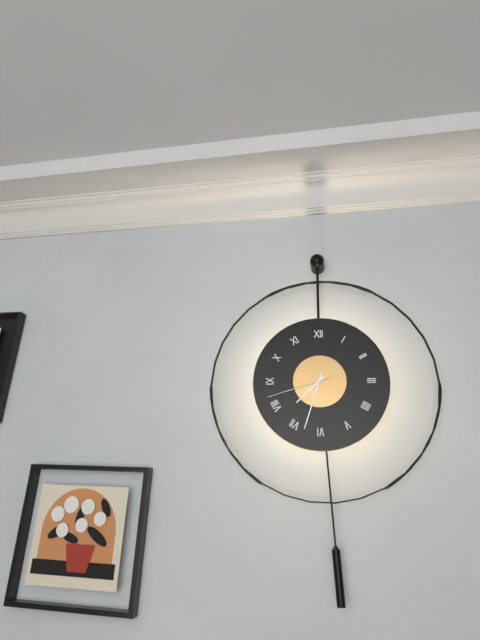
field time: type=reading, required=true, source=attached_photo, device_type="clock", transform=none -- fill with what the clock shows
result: 7:33:42
